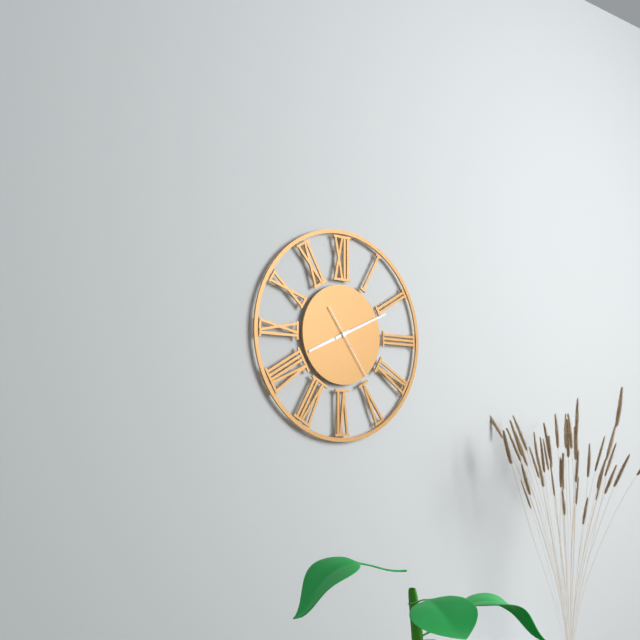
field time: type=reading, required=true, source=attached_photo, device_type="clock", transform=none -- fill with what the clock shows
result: 8:11:24
